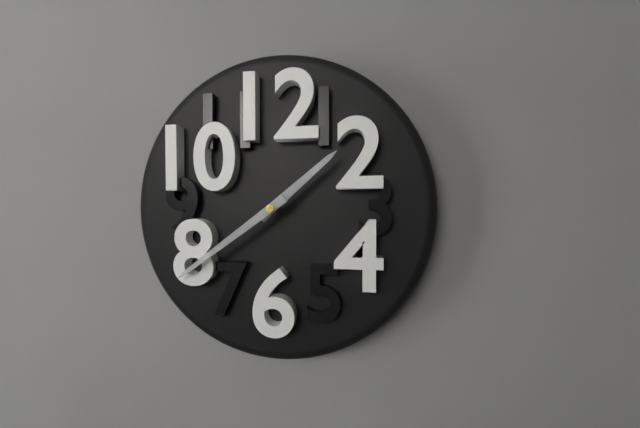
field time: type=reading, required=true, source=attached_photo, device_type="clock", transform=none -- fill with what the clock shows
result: 1:39
